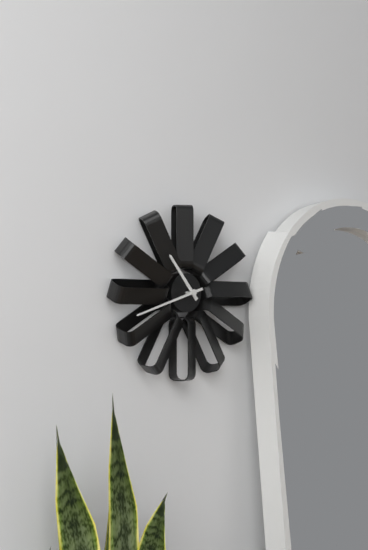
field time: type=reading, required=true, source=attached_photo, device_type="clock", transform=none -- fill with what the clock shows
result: 10:42
